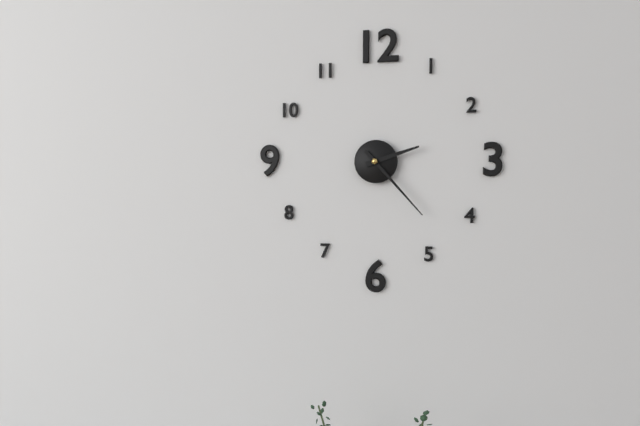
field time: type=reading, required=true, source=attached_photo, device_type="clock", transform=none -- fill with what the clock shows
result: 2:23
